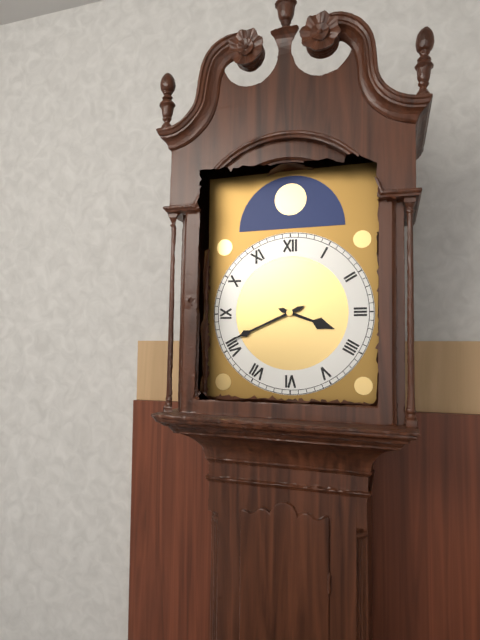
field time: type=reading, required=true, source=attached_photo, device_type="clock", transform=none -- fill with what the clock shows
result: 3:41
